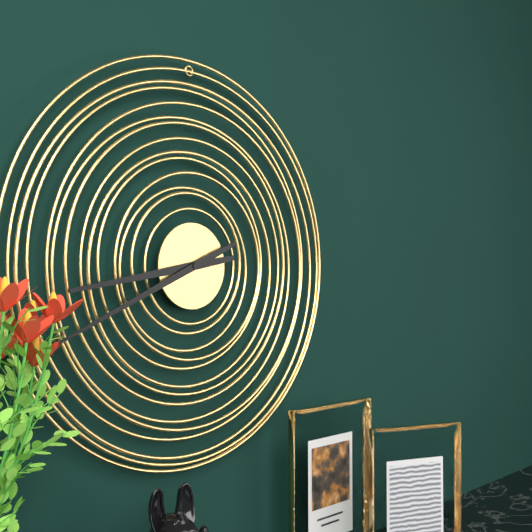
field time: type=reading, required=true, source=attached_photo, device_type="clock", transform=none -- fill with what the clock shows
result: 8:41
